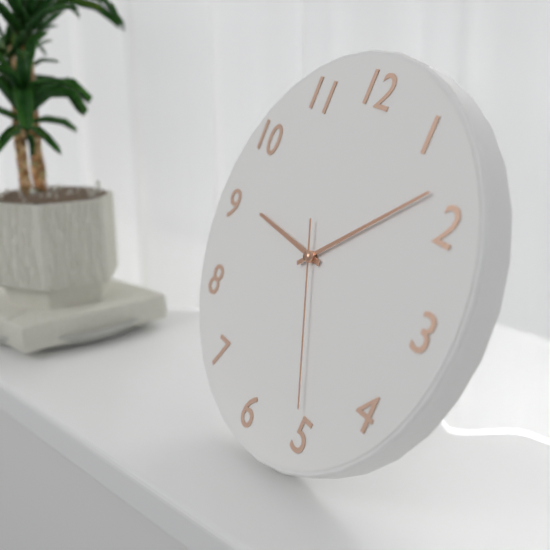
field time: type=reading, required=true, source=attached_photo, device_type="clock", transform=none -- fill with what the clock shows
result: 9:08:25
